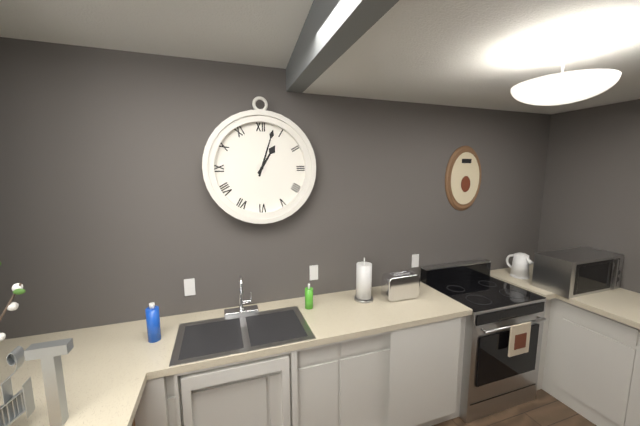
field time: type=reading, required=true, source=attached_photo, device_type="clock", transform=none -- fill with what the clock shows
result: 1:03
